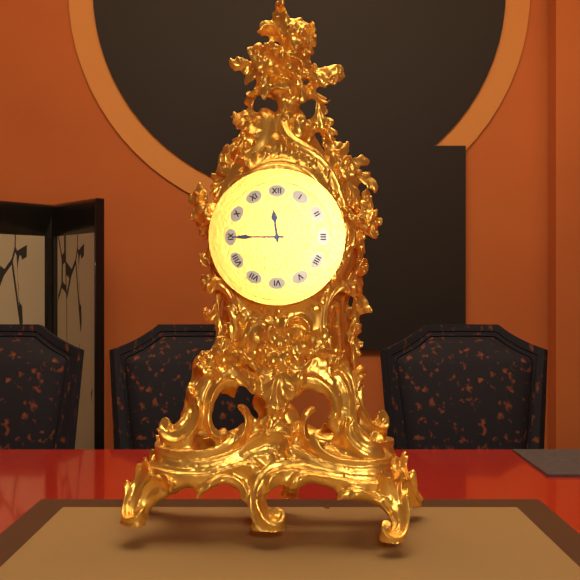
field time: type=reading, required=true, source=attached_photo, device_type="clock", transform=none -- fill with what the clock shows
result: 11:45
